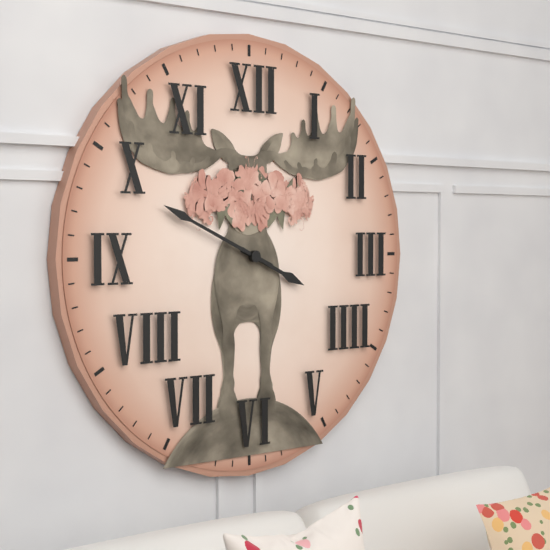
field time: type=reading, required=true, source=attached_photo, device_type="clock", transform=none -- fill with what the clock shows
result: 3:49
